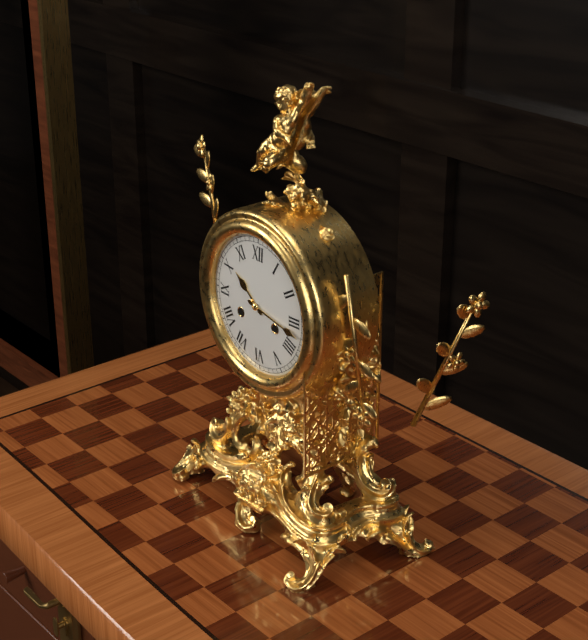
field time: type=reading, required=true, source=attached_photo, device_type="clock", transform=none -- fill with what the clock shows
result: 10:17
